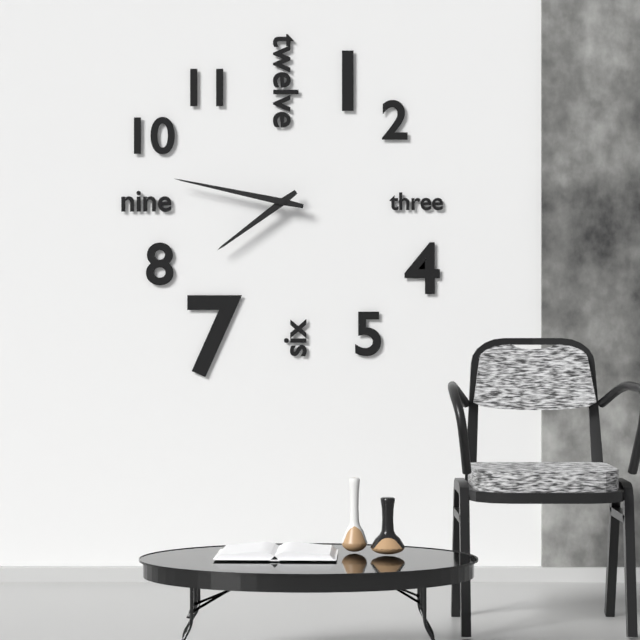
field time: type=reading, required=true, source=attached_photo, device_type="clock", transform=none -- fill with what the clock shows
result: 7:47
